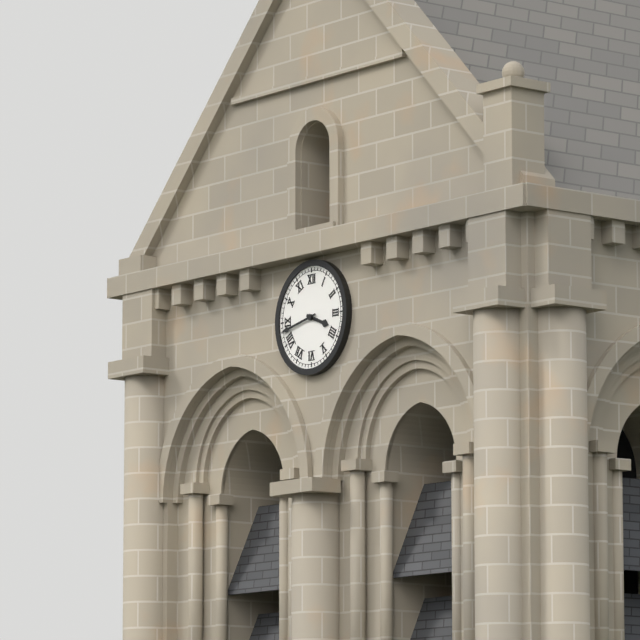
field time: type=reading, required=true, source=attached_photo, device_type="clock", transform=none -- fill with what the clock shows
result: 3:43
